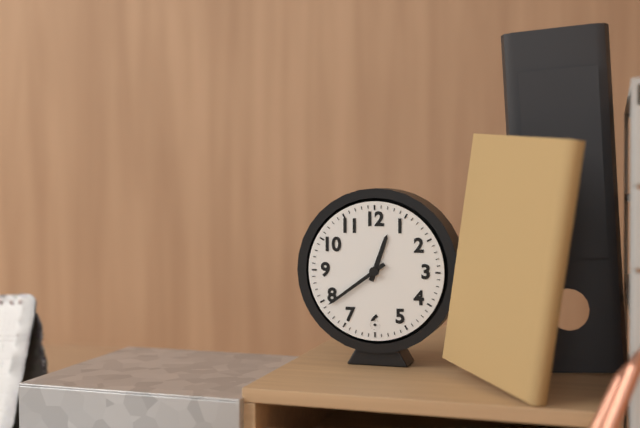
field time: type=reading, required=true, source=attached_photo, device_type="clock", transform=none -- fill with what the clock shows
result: 12:39
